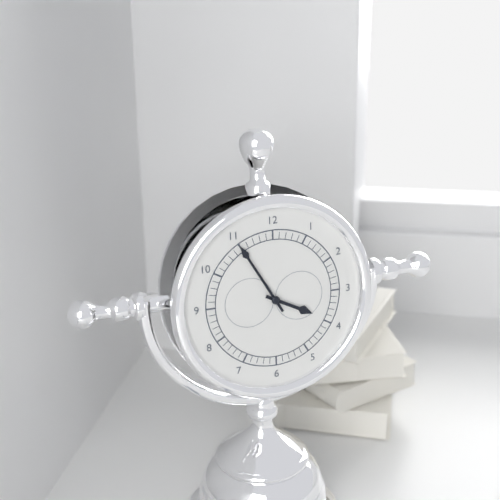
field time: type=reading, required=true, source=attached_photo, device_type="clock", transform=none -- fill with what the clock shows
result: 3:55
